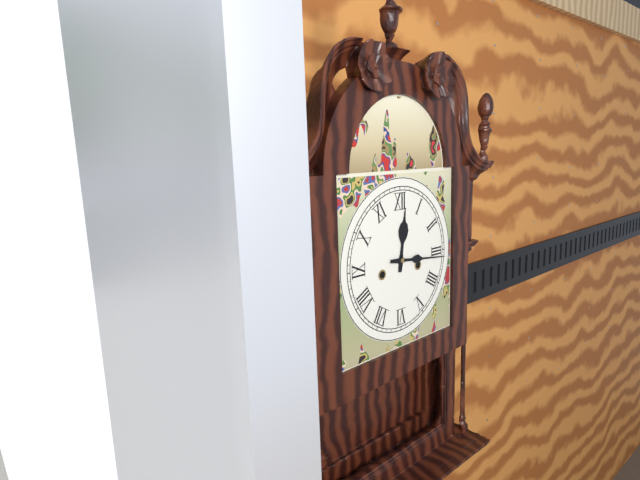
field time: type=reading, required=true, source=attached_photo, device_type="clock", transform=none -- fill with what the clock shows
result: 12:16
